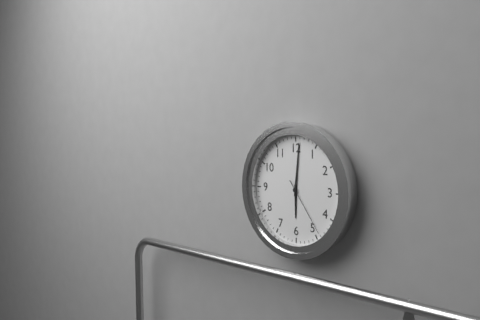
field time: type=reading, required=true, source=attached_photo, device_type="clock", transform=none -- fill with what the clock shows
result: 6:01:24
